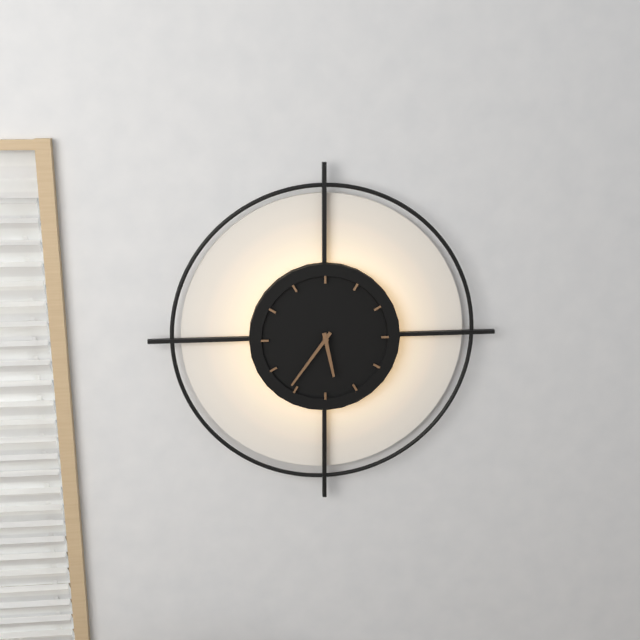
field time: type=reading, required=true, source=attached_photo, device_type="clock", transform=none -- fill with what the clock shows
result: 5:36
